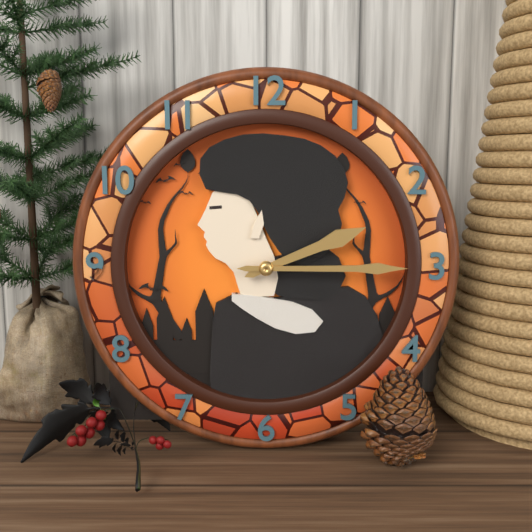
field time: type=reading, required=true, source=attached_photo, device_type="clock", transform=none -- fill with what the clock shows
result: 2:15
